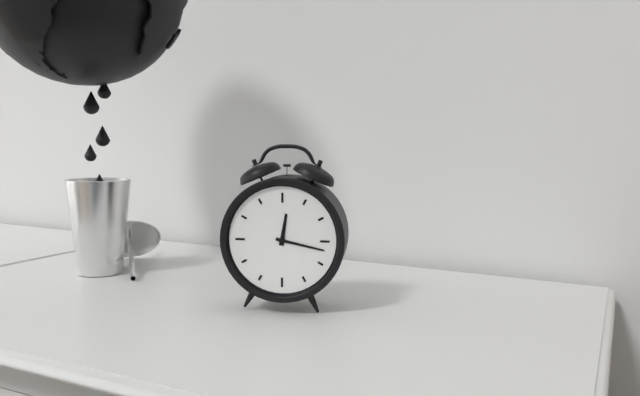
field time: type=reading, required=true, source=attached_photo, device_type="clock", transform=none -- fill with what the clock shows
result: 12:17
